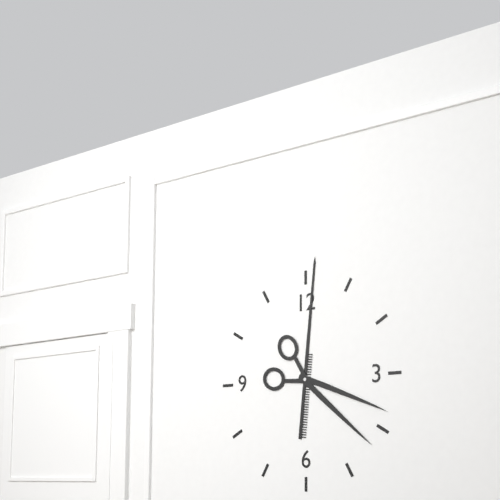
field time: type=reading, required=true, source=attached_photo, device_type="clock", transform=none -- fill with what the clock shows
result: 4:01
